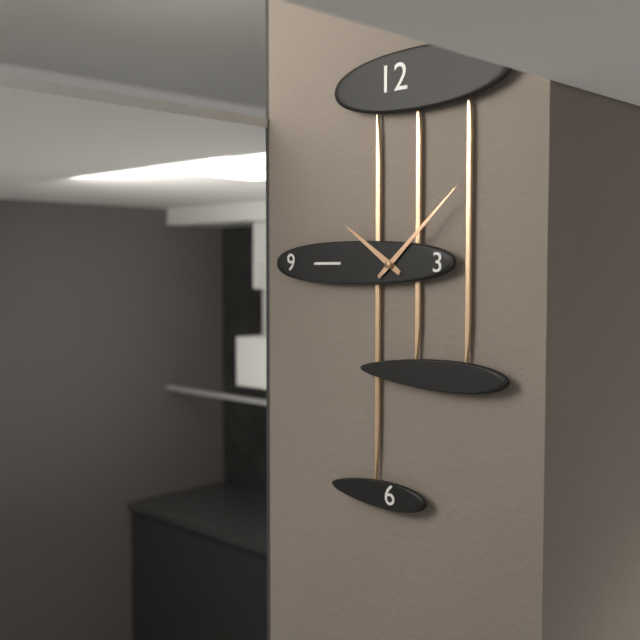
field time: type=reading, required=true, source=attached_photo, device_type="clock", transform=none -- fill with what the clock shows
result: 10:08
